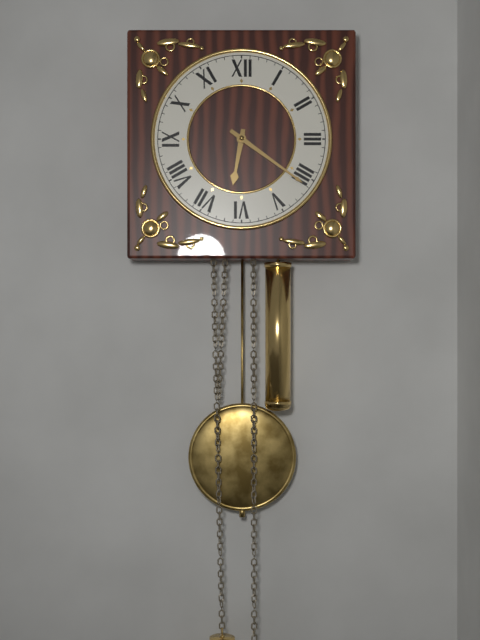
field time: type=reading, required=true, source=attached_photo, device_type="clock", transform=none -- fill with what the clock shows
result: 6:21
